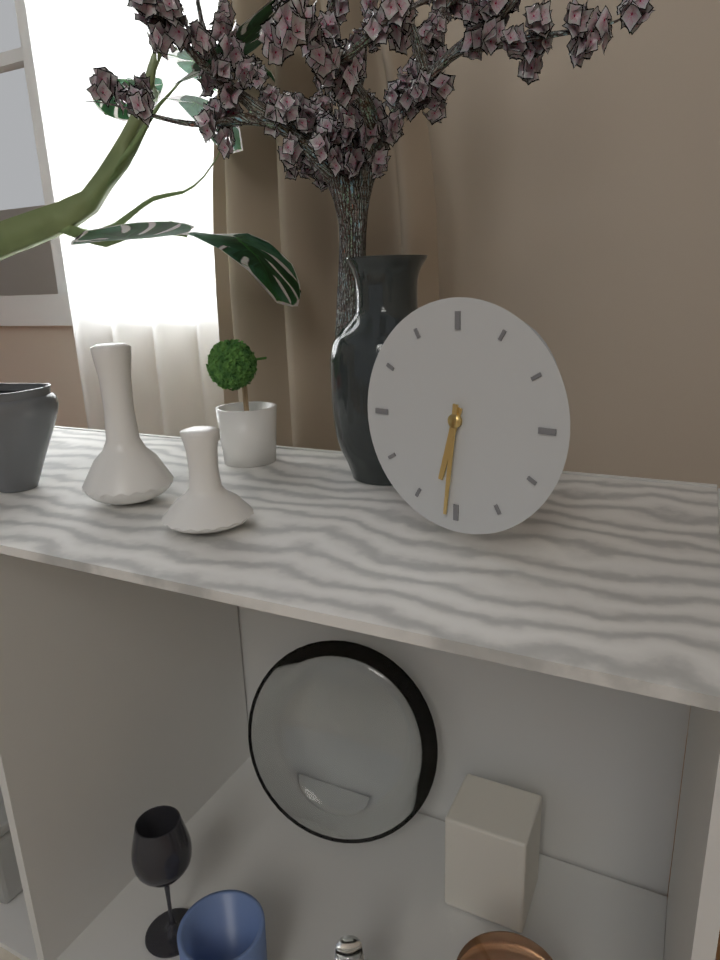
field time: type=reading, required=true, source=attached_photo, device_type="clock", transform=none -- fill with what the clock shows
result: 6:31
